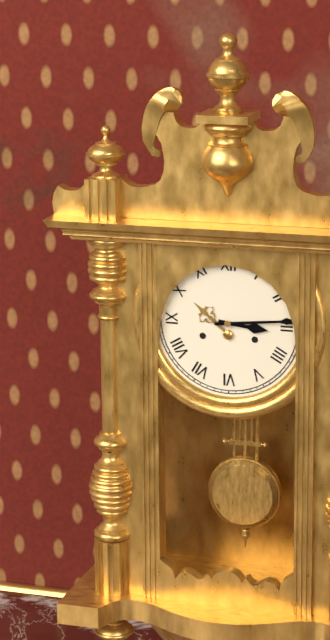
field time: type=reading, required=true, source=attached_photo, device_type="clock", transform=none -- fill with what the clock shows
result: 3:14
